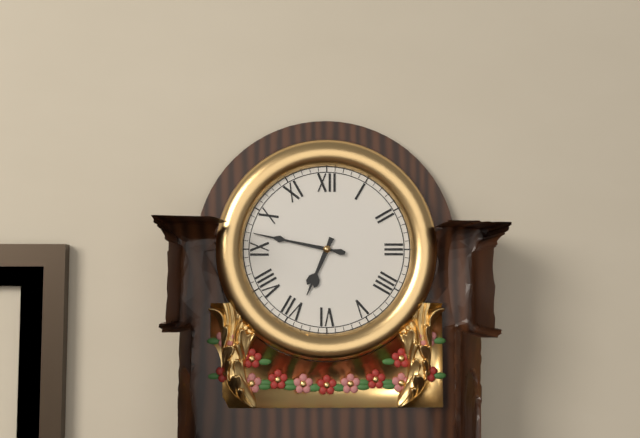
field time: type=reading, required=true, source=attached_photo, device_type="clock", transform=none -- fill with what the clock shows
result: 6:47
